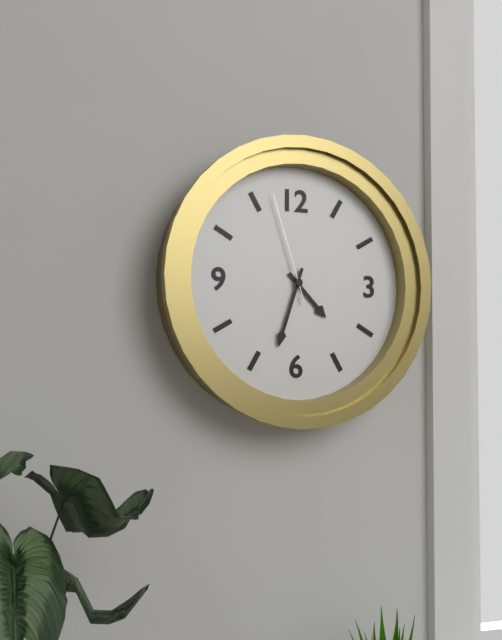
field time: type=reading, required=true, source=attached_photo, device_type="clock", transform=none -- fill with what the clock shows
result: 4:33:57
